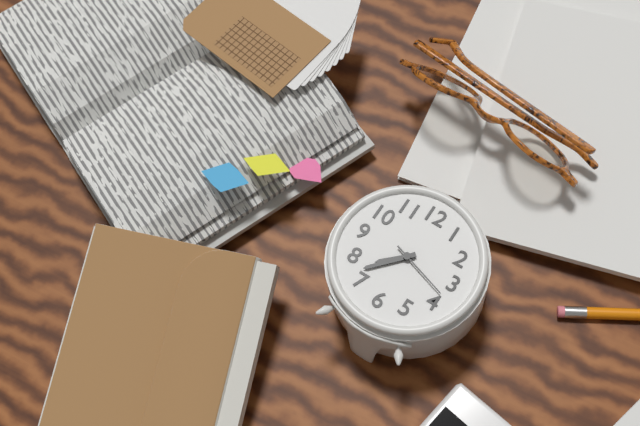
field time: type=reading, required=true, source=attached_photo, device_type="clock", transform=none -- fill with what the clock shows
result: 7:37:18
